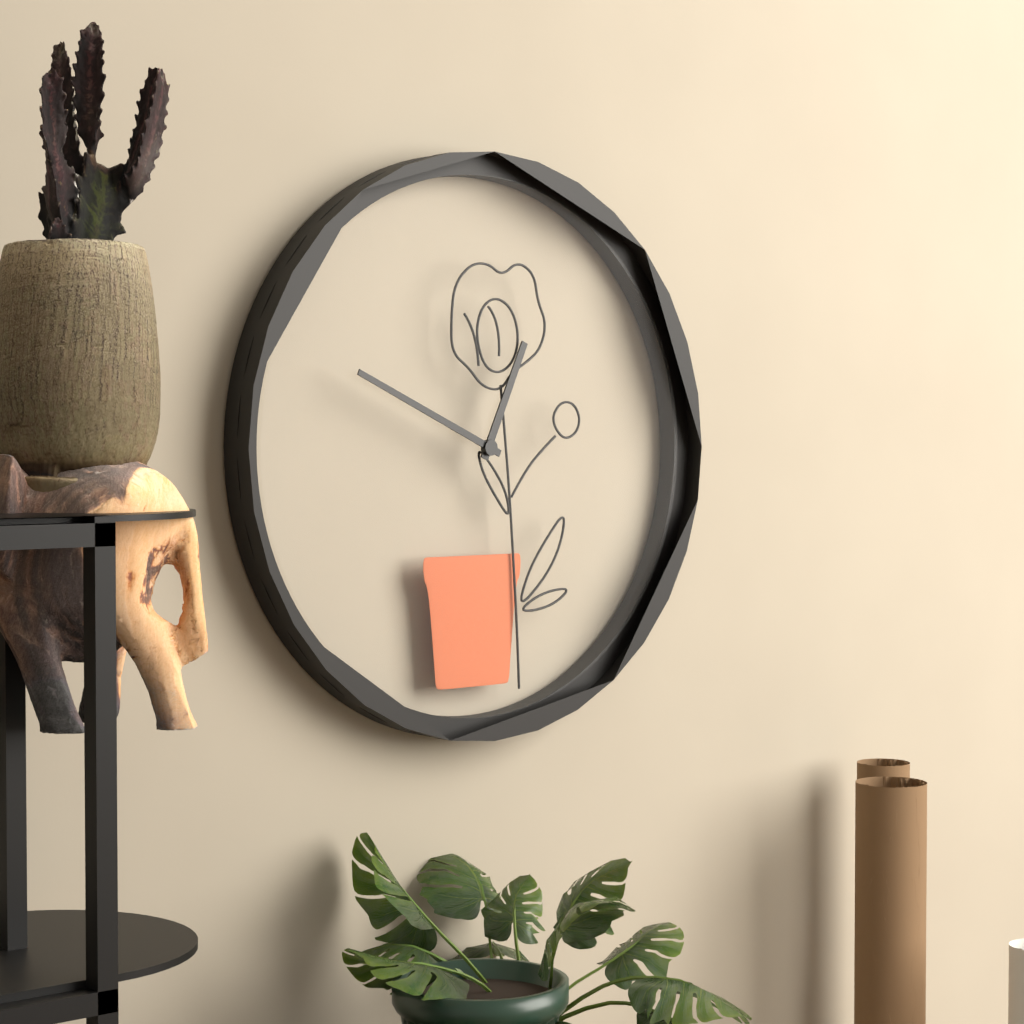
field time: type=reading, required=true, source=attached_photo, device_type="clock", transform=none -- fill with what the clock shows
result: 12:49
